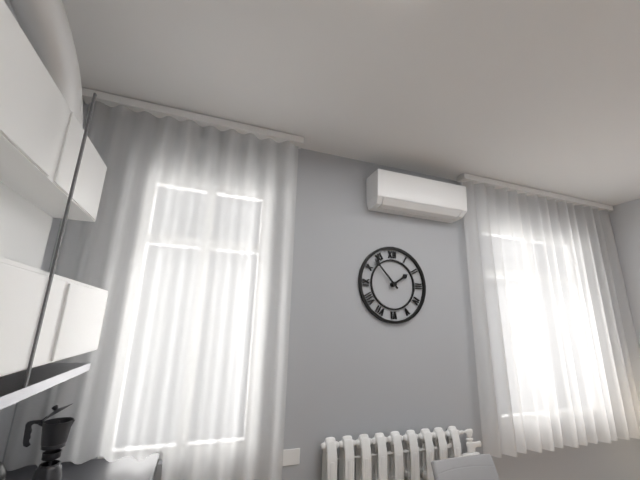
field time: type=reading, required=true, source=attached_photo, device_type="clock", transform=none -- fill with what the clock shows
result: 1:53
